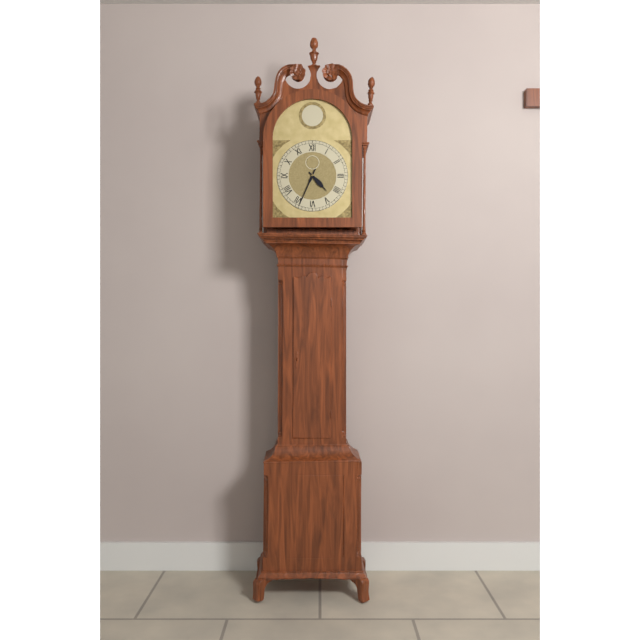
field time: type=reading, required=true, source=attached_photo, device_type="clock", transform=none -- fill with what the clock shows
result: 4:34
